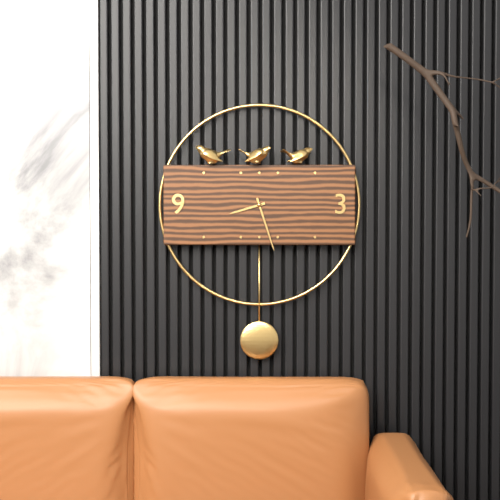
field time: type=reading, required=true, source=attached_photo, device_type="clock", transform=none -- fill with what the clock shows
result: 8:27
